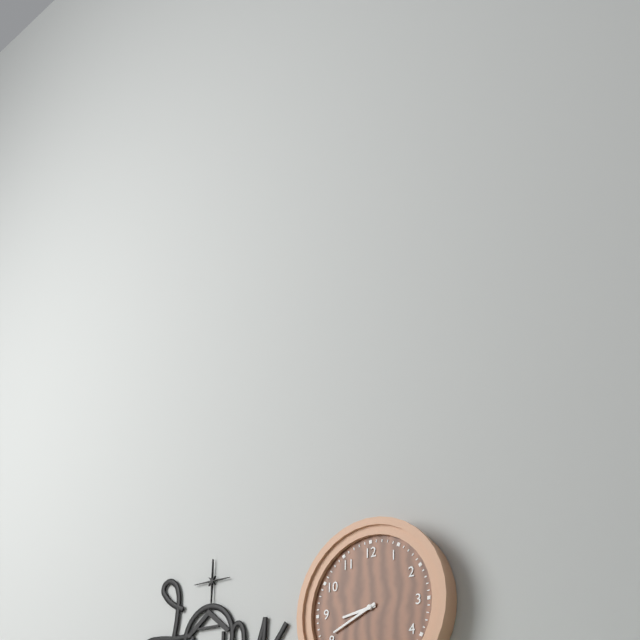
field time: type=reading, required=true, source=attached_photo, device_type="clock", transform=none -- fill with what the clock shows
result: 8:41
